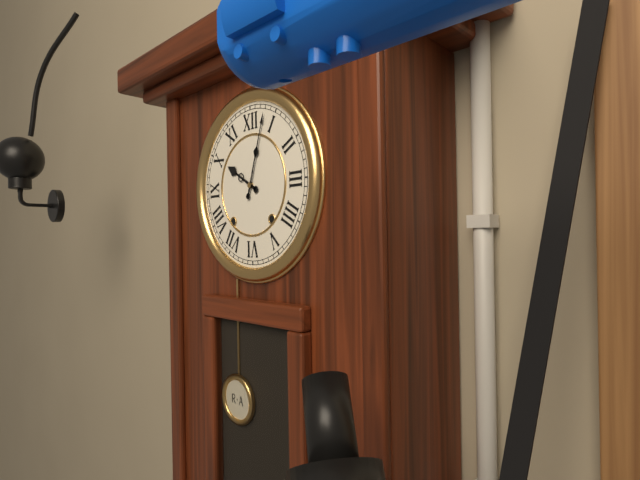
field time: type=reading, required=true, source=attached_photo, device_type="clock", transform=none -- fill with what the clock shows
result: 10:03
